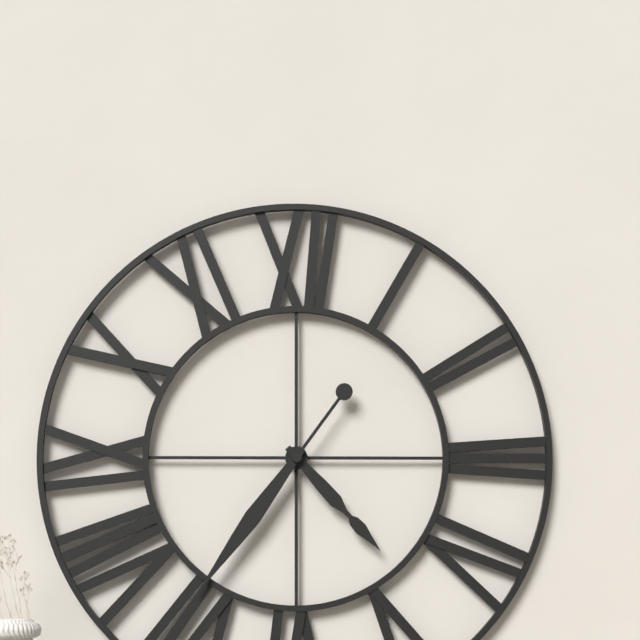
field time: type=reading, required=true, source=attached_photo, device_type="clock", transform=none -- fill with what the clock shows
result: 4:36
